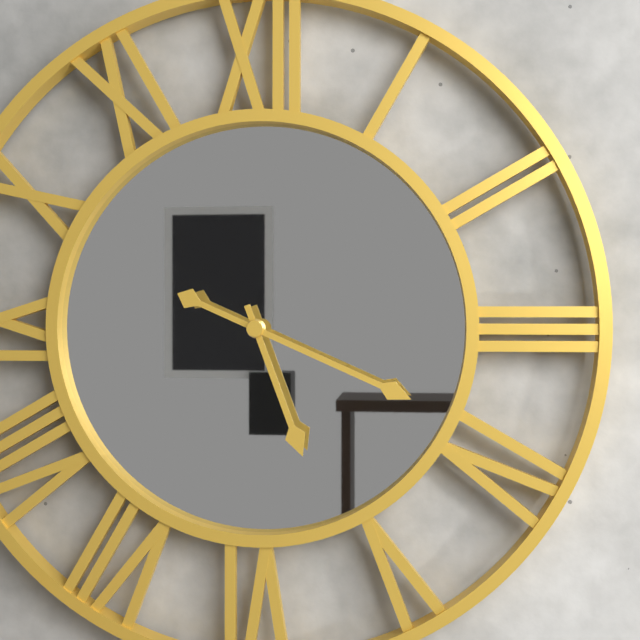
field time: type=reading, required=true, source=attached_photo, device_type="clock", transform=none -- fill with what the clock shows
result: 5:19
